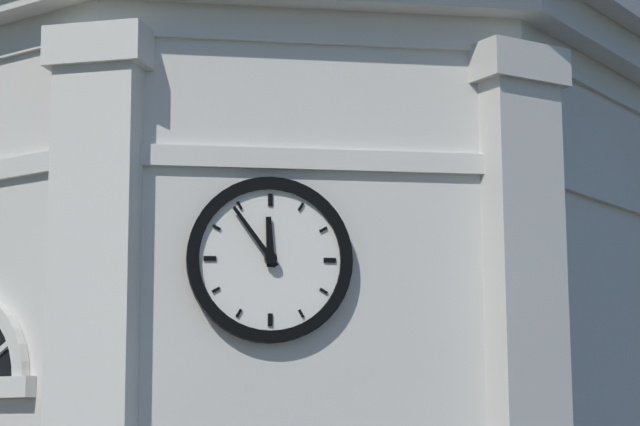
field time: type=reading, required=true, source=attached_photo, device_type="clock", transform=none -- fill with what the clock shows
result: 11:54
